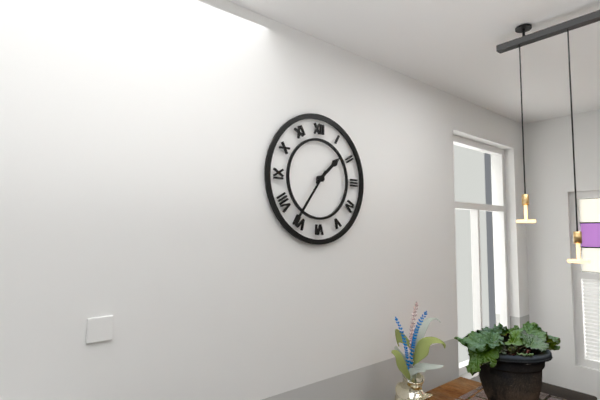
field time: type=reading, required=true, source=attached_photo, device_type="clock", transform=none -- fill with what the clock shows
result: 1:36
